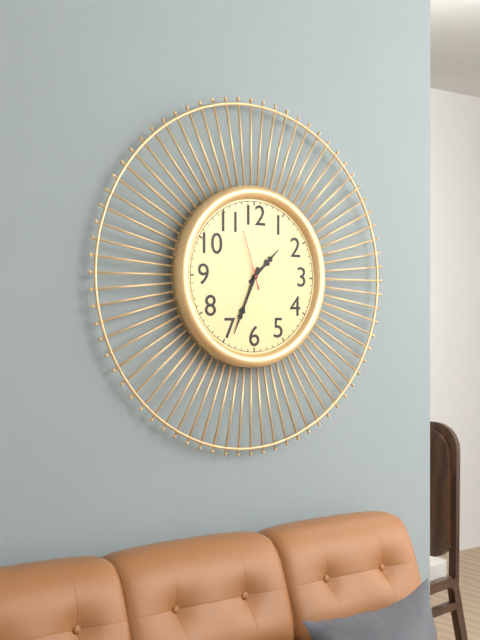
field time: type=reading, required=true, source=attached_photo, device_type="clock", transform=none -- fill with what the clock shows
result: 1:34:57
